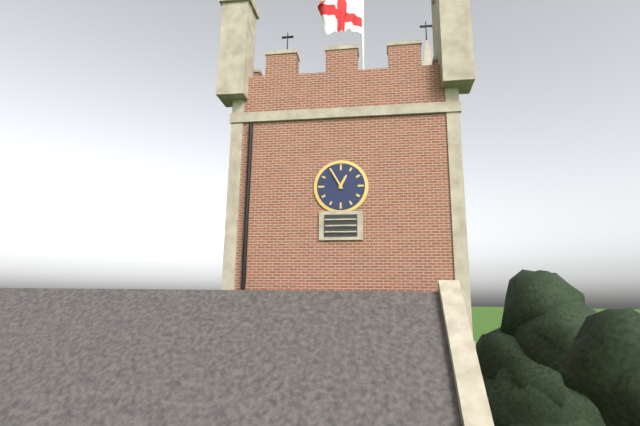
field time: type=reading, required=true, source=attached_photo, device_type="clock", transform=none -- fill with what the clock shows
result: 12:55
